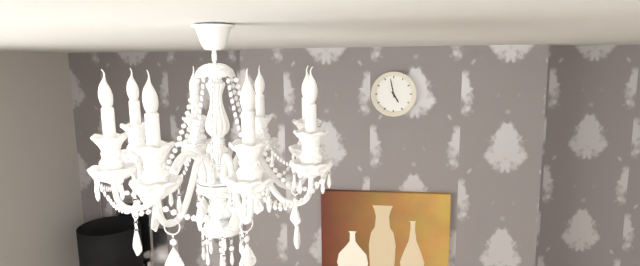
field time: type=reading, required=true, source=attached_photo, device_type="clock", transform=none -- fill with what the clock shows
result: 4:58
